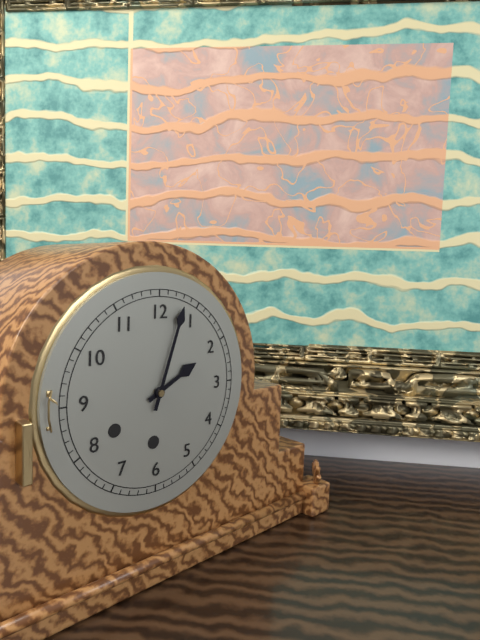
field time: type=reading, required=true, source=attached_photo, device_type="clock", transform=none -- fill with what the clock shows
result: 2:03
